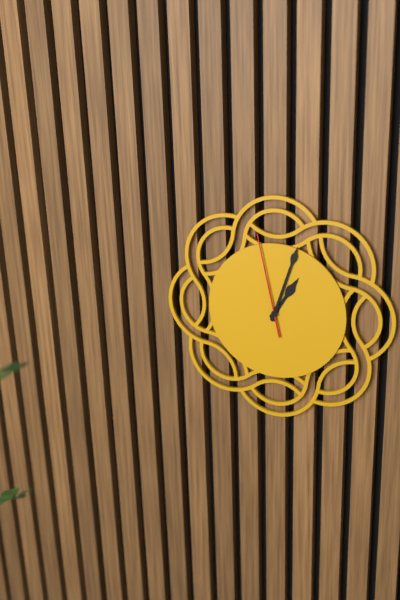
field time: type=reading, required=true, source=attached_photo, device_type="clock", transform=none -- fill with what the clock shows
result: 1:03:58
